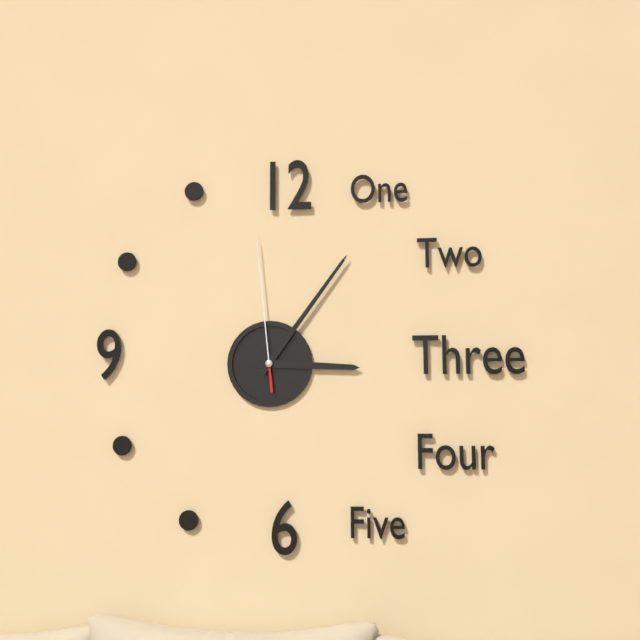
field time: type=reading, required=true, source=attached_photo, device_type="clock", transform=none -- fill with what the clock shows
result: 3:06:59
